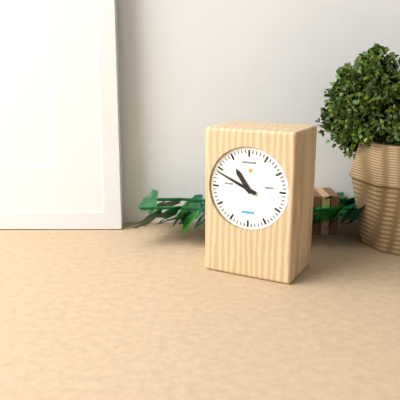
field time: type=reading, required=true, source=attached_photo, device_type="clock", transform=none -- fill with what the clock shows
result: 10:49
